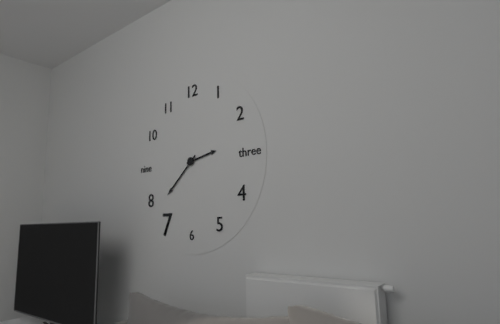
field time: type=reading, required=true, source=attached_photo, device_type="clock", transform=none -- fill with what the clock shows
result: 2:38
